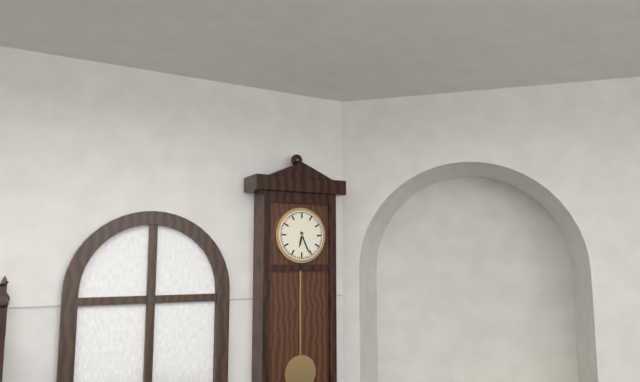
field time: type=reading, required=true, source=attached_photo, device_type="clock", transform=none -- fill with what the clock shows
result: 6:26
